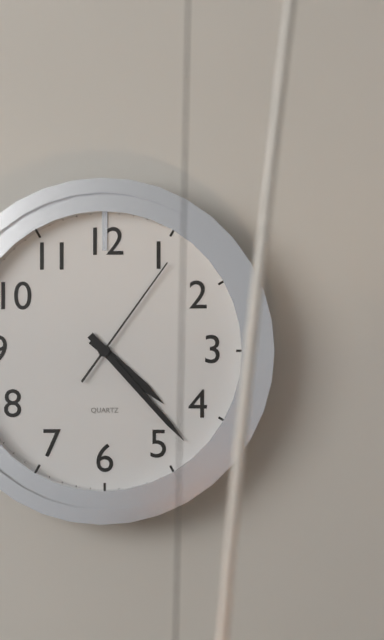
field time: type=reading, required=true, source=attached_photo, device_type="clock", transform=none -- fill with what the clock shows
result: 4:23:06
